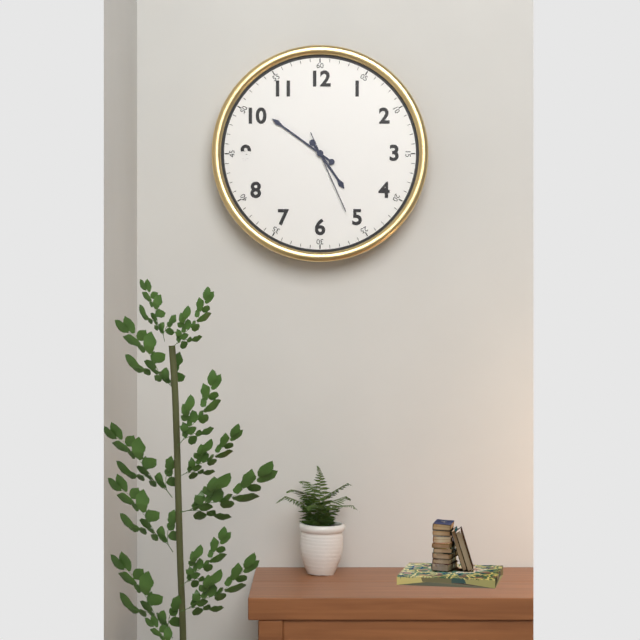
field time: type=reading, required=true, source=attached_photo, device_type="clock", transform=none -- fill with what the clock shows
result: 4:51:26
